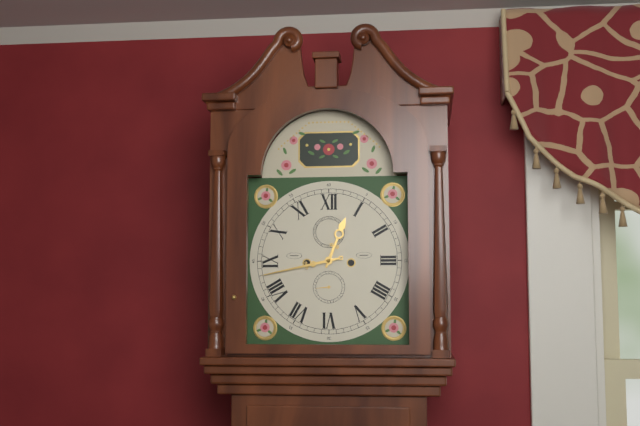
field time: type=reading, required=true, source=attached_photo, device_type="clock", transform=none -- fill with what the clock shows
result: 12:43
